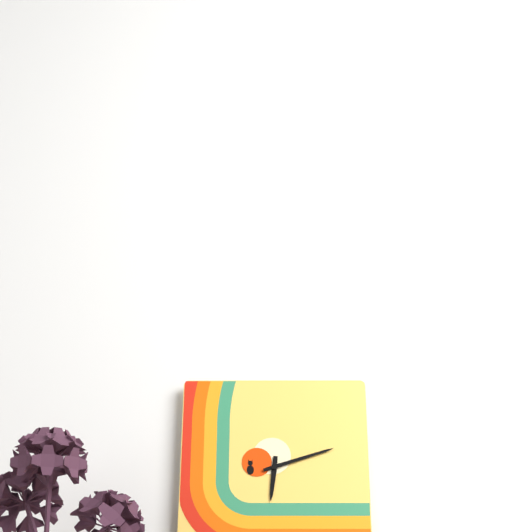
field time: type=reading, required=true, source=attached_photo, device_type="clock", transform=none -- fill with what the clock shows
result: 6:12
